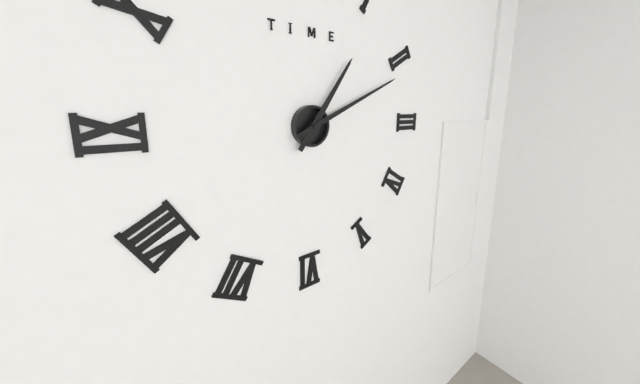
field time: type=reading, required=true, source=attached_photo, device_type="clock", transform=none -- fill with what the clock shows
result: 1:11
